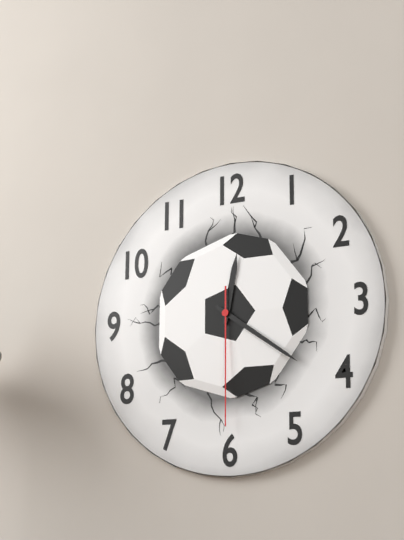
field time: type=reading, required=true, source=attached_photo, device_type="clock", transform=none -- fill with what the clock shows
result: 12:21:30
